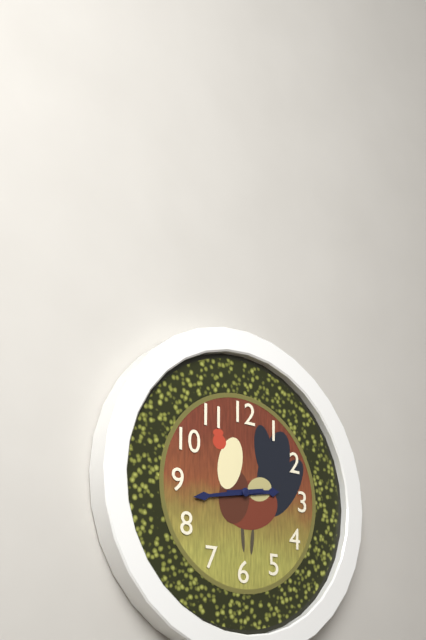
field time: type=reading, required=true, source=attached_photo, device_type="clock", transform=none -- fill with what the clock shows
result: 2:43
